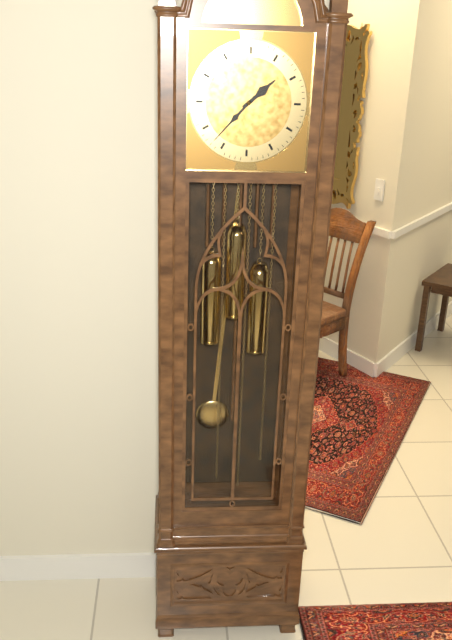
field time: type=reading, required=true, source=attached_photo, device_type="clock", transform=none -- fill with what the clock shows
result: 1:37
